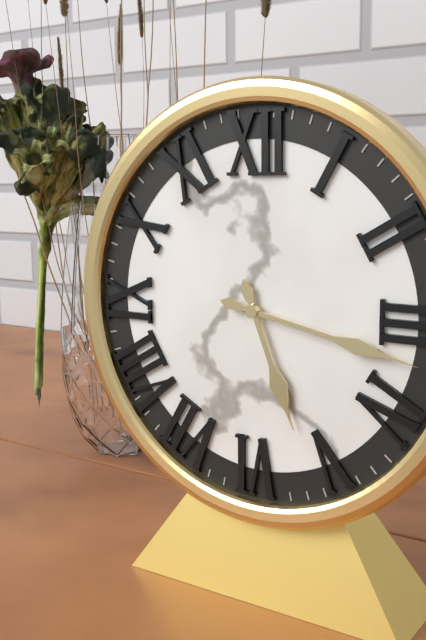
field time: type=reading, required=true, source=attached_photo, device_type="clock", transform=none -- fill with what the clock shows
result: 5:17
